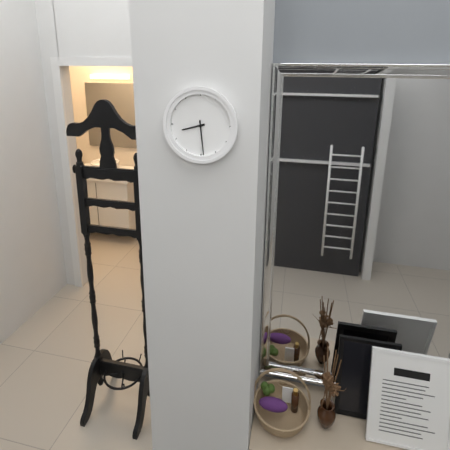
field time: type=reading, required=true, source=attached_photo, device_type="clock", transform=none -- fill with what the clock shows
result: 8:29
